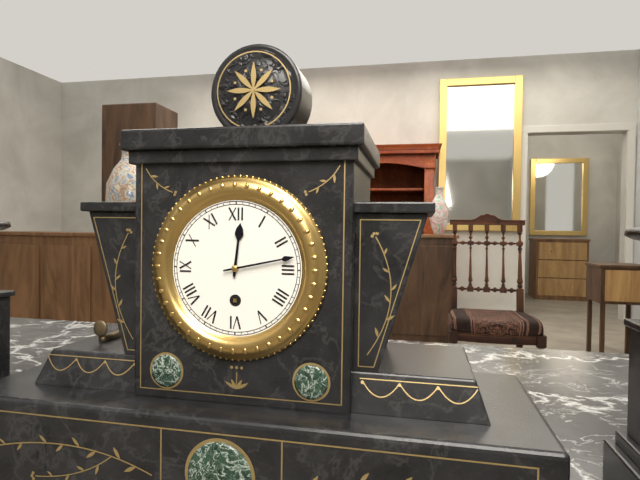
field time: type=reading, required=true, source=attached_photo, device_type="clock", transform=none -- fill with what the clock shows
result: 12:13
